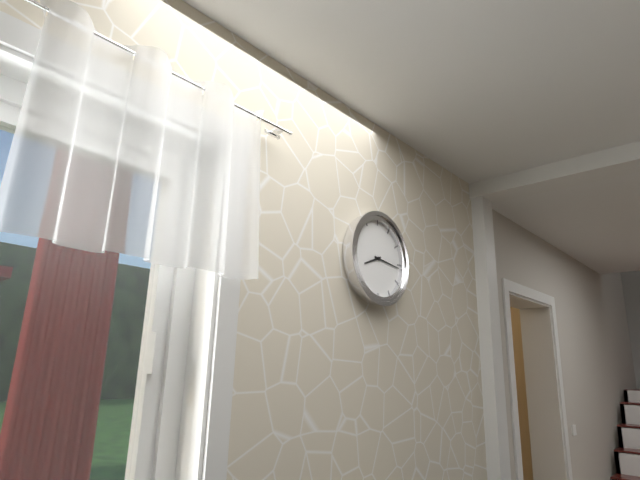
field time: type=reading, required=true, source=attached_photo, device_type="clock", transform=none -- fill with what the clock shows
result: 8:16
